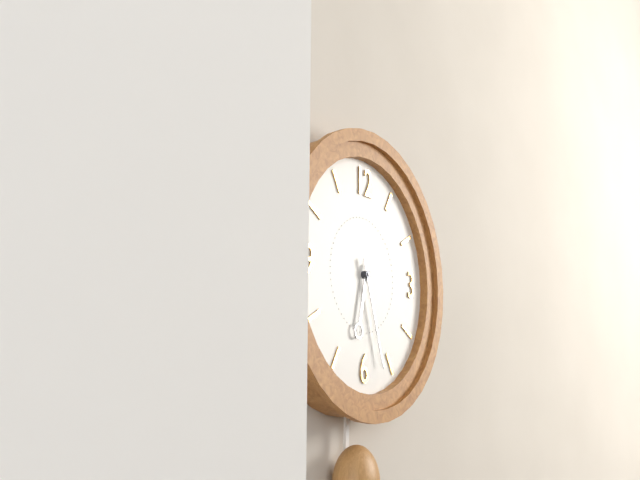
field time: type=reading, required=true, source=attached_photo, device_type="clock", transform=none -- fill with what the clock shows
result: 6:27
